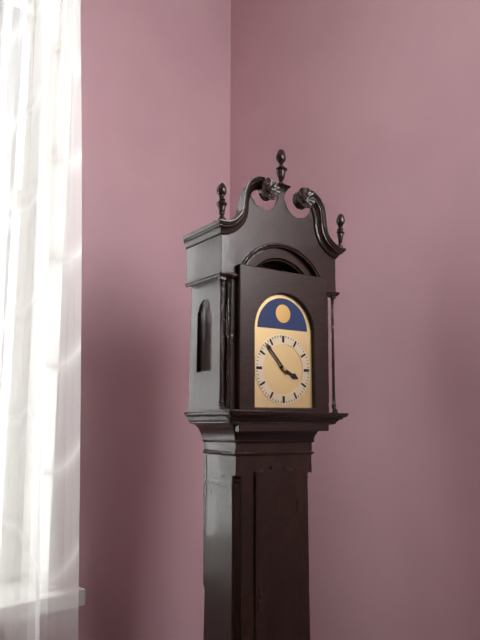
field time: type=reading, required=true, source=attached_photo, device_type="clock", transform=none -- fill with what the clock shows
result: 3:53
